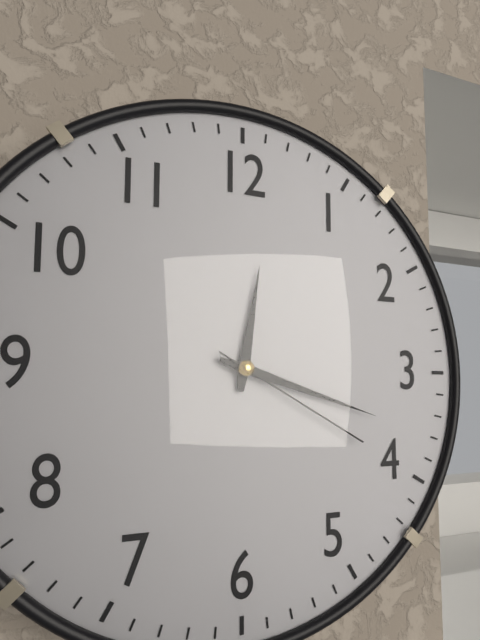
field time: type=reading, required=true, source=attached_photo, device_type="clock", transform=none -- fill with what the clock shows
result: 12:18:20
